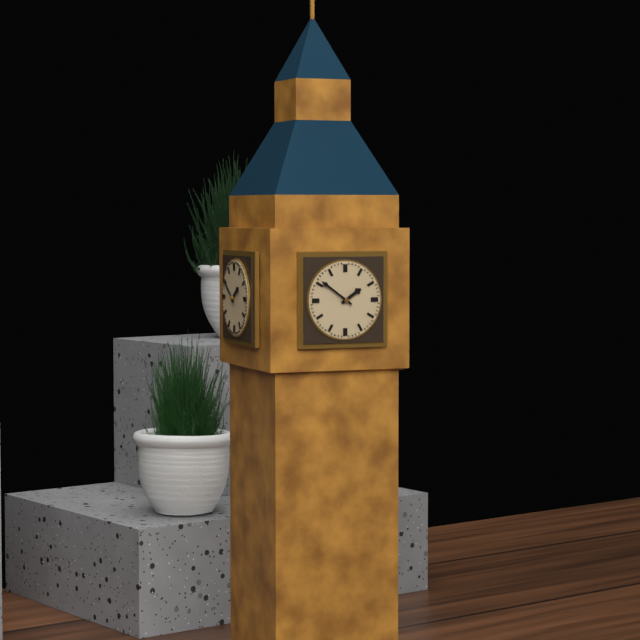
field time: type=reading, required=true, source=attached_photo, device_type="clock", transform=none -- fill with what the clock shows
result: 1:51
